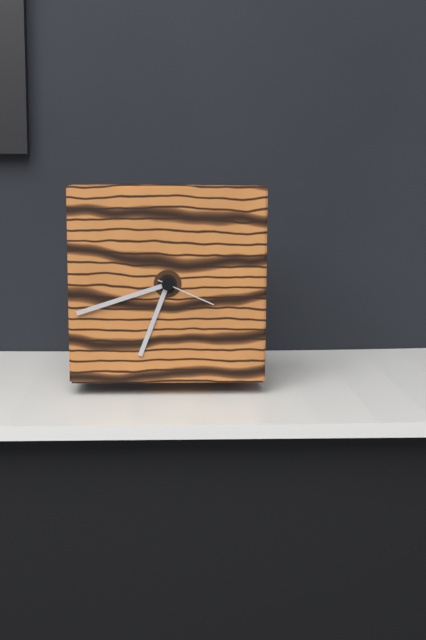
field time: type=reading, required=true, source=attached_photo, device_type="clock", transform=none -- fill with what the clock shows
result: 6:42:19
